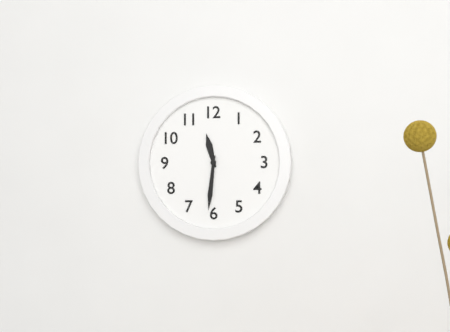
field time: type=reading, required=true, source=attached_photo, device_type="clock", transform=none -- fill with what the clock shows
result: 11:31
